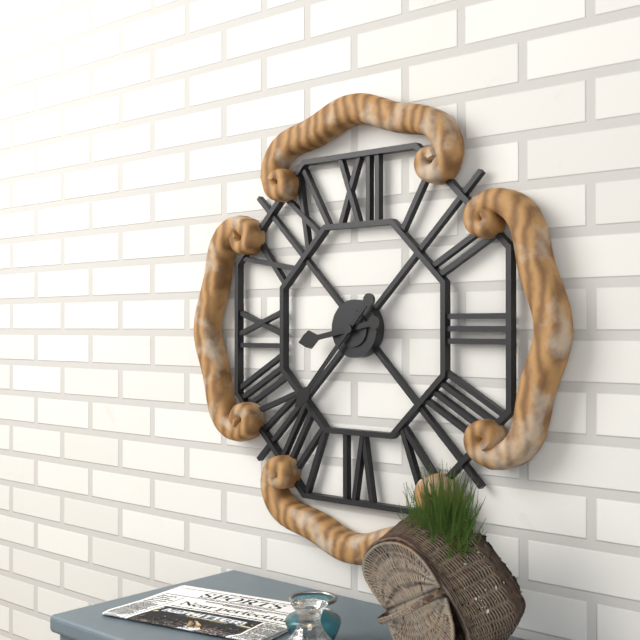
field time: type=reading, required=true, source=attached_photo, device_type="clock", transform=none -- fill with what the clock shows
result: 8:37
